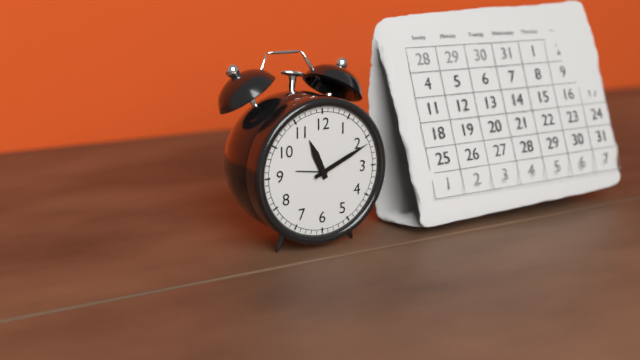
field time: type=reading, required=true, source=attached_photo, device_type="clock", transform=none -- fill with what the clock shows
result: 11:11
